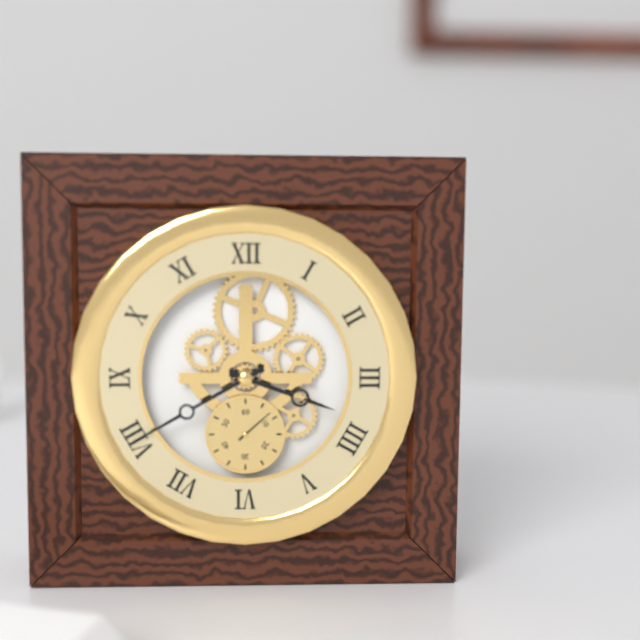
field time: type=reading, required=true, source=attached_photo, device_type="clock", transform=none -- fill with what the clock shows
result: 3:40
